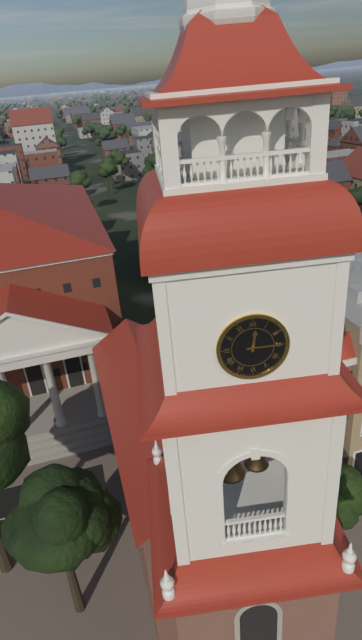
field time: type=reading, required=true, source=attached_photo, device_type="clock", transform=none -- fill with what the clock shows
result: 12:15
